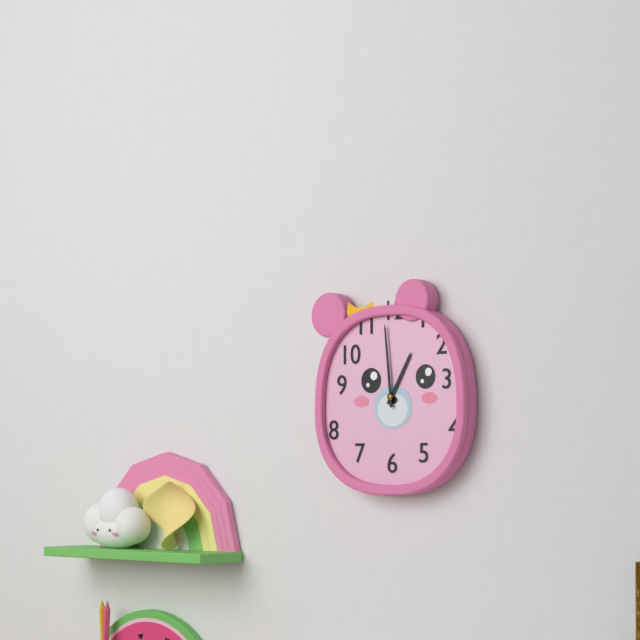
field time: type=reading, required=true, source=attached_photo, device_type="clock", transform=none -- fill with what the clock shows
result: 12:59
